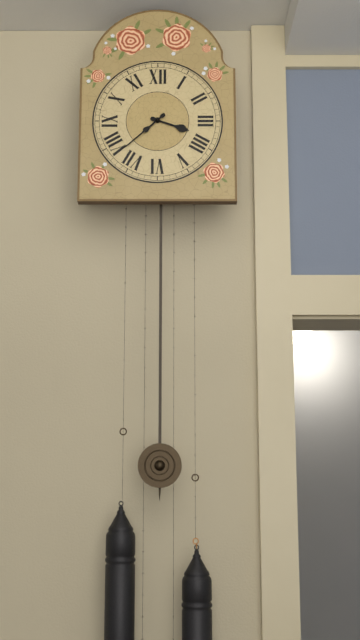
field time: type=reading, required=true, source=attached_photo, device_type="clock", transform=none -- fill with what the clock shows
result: 3:38
